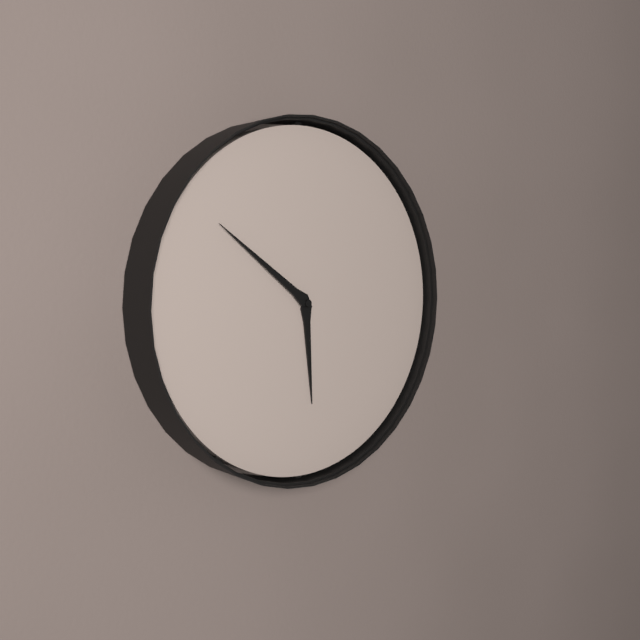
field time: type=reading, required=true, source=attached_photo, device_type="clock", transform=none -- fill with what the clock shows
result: 5:51
